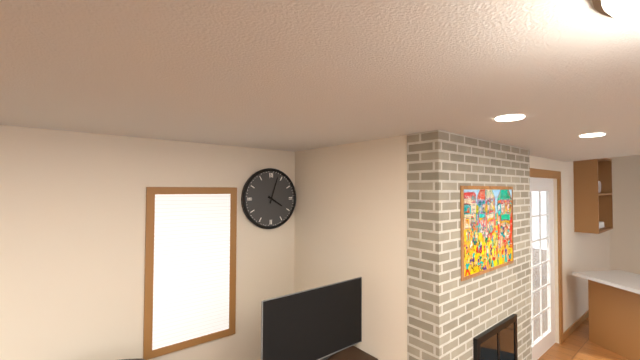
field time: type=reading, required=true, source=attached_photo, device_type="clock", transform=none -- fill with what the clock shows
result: 4:03
